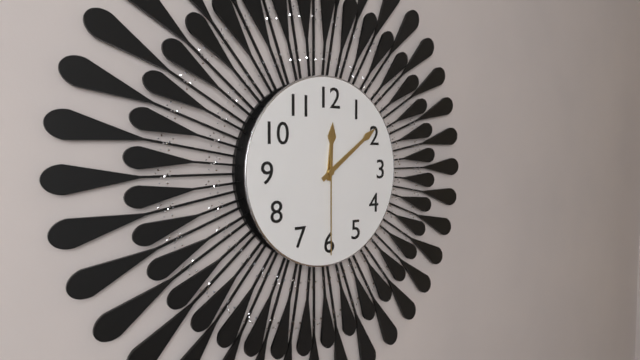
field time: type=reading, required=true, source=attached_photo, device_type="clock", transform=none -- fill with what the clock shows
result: 12:09:30
